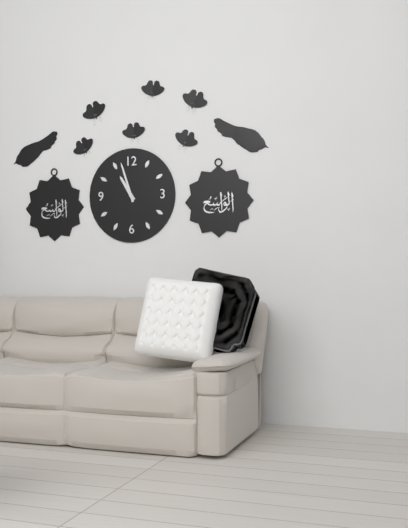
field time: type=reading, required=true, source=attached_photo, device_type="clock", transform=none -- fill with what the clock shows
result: 10:57
